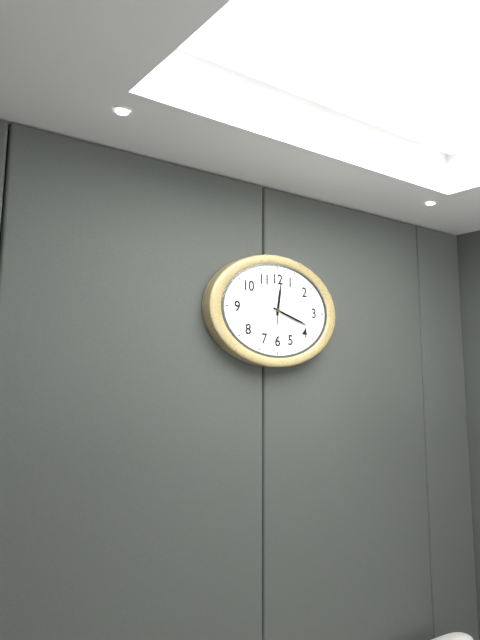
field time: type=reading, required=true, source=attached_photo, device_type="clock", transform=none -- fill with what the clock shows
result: 12:18
